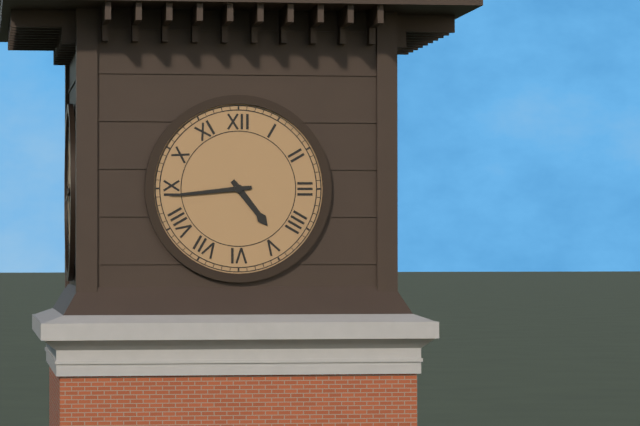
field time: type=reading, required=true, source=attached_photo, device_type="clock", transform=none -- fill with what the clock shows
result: 4:44
